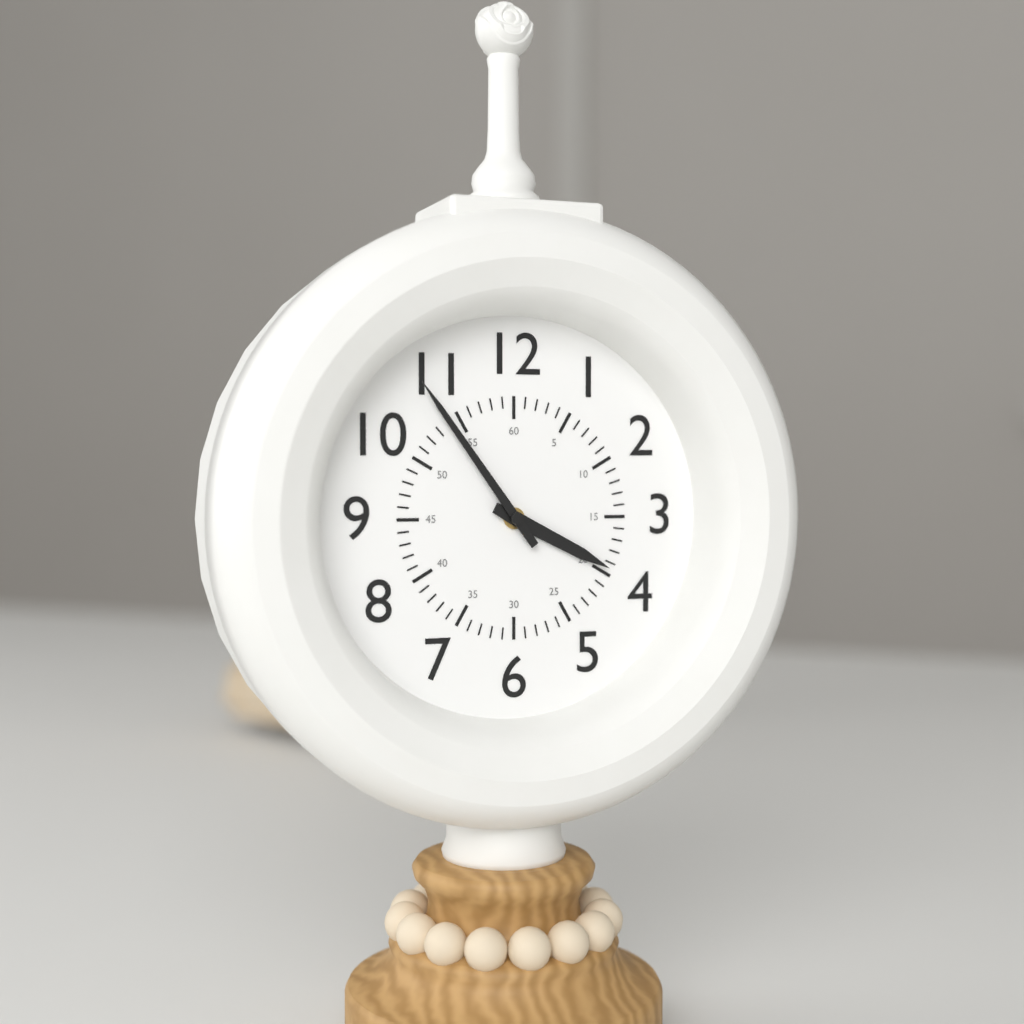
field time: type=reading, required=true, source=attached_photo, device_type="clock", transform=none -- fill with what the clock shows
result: 3:54
